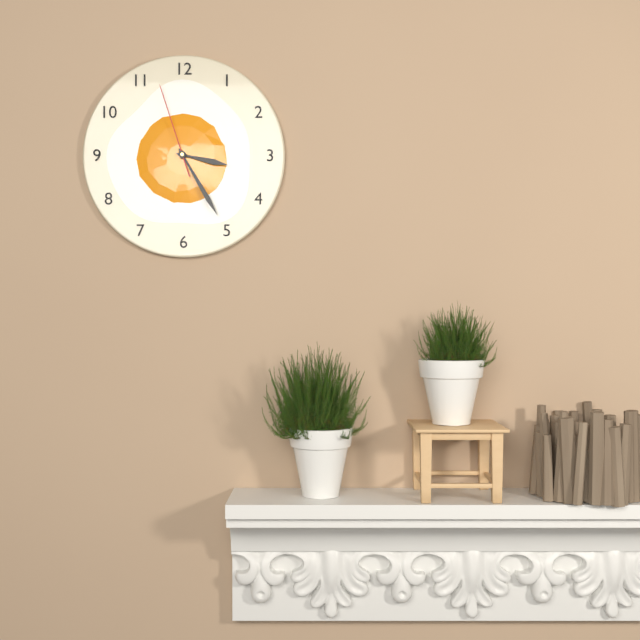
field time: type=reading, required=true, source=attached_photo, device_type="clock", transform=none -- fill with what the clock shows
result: 3:25:57
